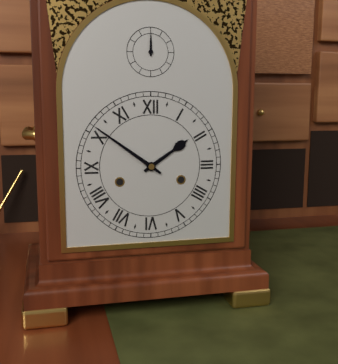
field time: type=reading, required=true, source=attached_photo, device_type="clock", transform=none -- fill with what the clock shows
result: 1:51
